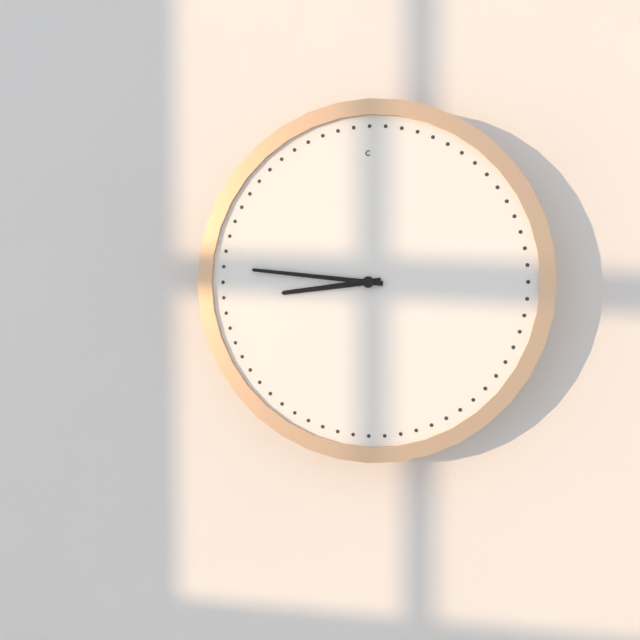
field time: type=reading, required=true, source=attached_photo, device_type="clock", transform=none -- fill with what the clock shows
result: 8:46
